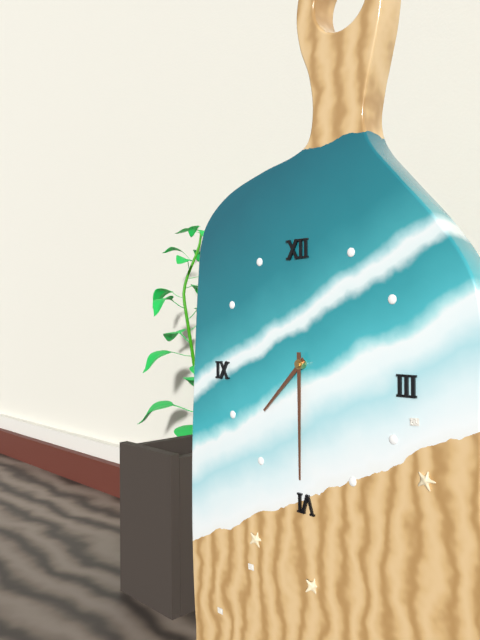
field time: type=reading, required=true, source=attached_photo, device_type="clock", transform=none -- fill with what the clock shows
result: 7:30
